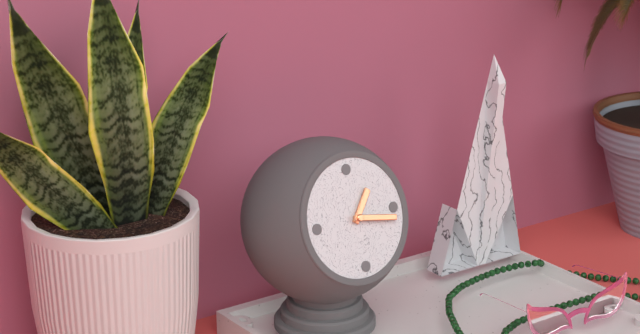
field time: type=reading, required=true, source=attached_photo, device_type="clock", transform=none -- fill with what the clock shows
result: 1:17
